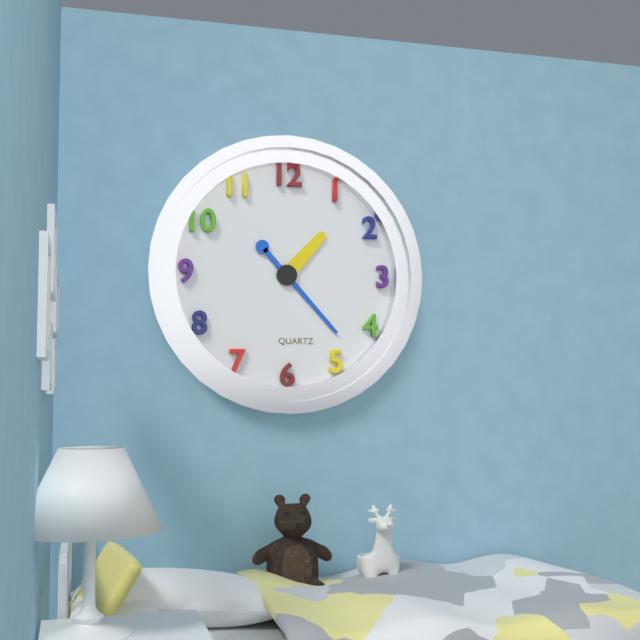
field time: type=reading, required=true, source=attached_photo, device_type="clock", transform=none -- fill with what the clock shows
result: 1:23
